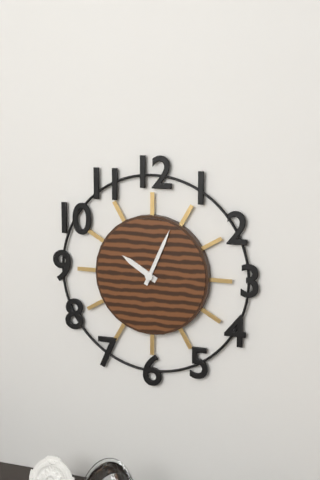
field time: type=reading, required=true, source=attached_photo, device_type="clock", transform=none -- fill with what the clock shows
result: 10:04
